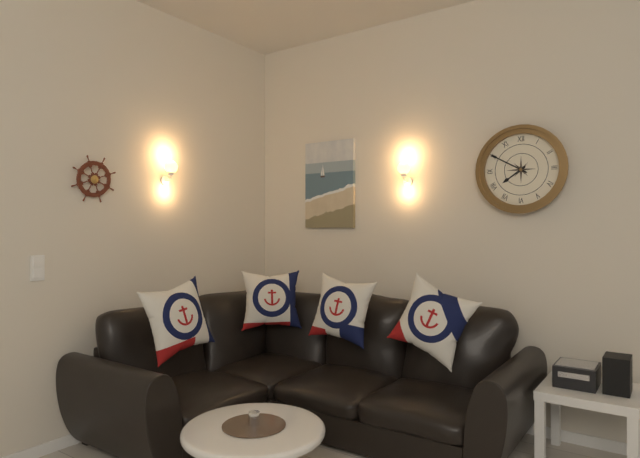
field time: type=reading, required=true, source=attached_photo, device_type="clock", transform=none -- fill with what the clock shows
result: 7:50
